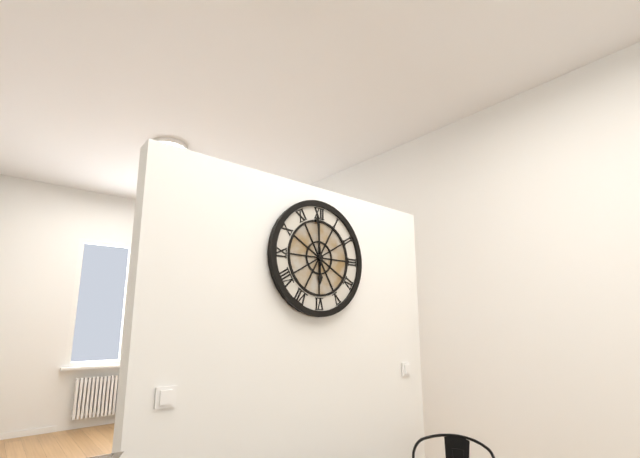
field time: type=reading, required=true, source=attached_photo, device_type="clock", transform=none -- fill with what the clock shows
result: 5:59
